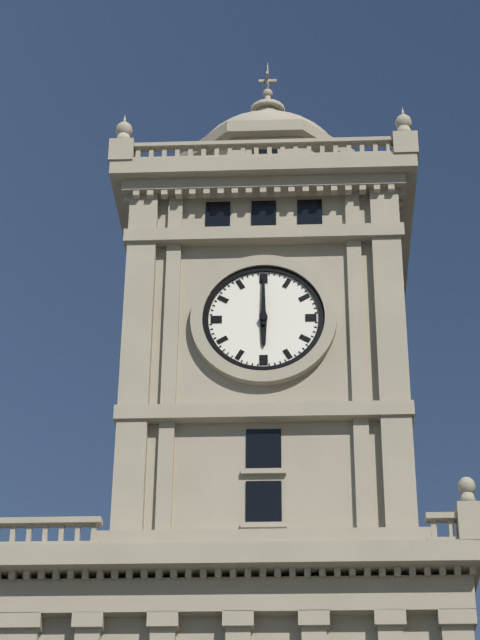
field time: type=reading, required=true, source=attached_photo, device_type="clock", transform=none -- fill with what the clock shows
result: 6:00
